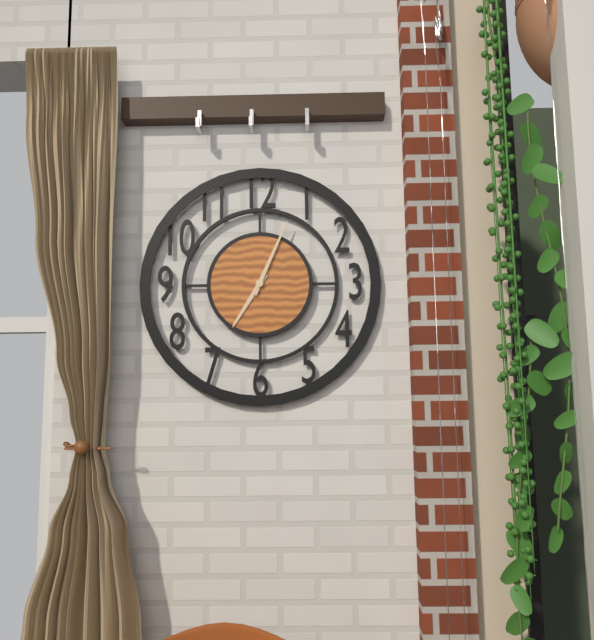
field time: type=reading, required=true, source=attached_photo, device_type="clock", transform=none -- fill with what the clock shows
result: 7:04
